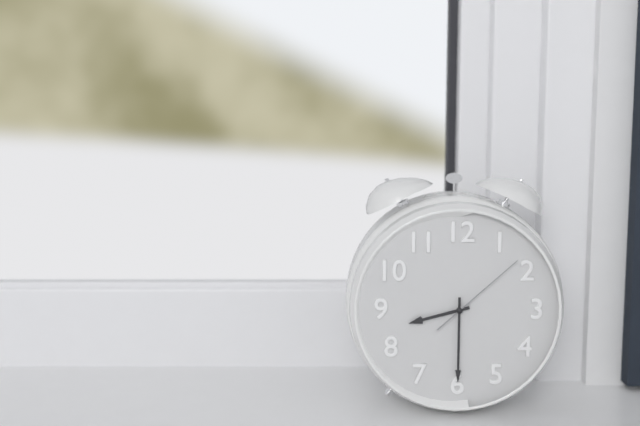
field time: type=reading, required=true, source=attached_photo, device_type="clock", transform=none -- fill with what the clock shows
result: 8:30:08
